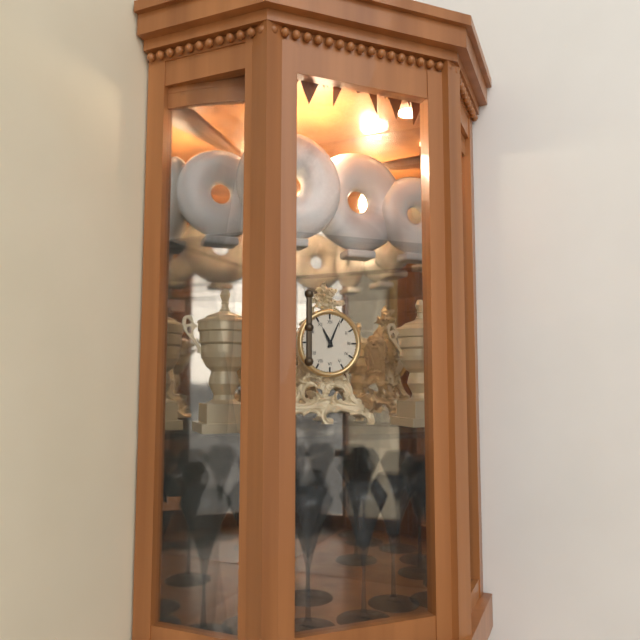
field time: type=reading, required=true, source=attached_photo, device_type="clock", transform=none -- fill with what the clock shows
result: 11:04
